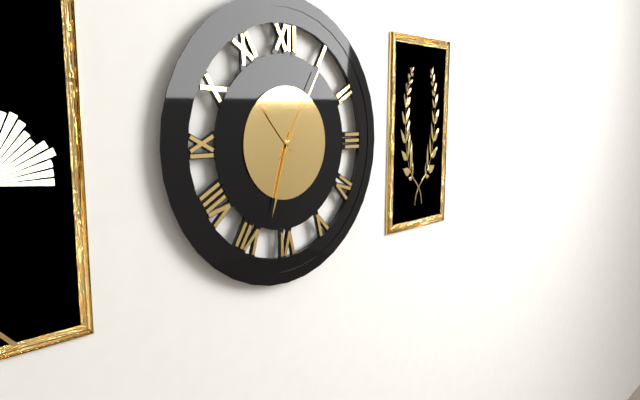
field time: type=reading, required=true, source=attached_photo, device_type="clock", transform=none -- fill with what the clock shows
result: 10:33:05
